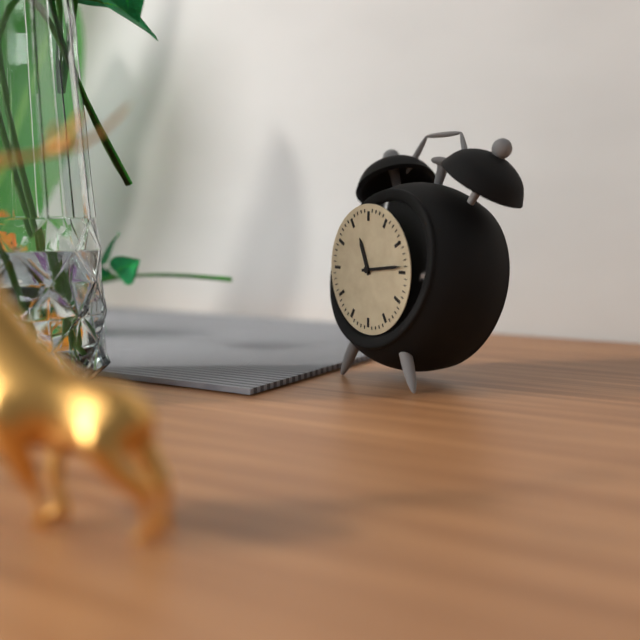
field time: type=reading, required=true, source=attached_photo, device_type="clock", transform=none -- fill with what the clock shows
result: 11:14
